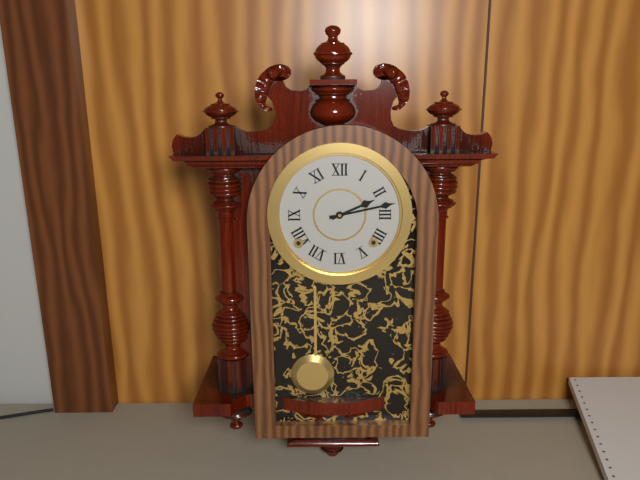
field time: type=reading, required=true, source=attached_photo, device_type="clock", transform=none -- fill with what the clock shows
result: 2:13
